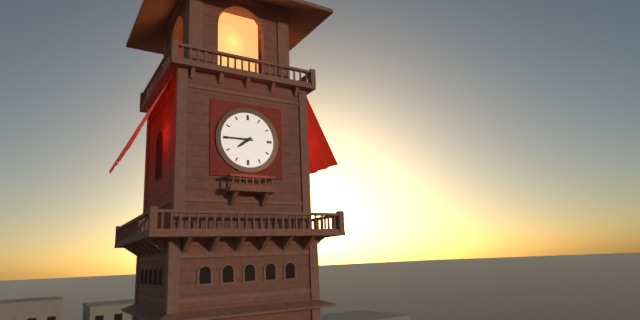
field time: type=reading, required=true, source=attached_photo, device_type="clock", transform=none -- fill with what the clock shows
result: 7:45
